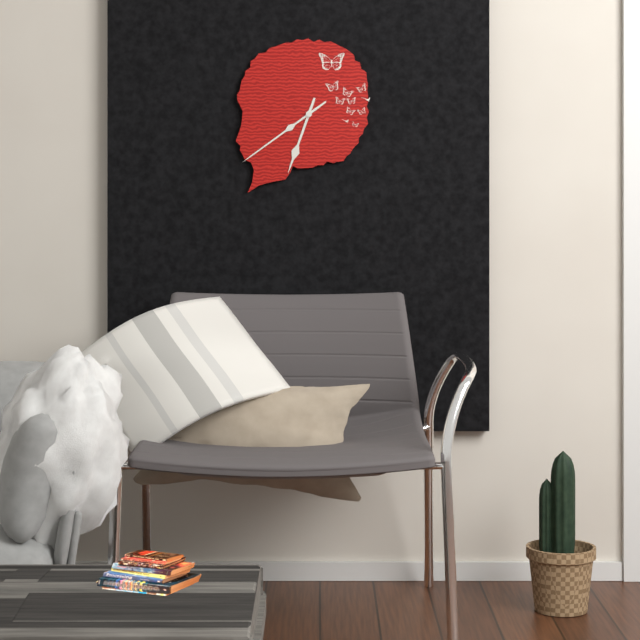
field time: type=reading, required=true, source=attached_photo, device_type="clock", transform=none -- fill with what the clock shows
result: 6:39
